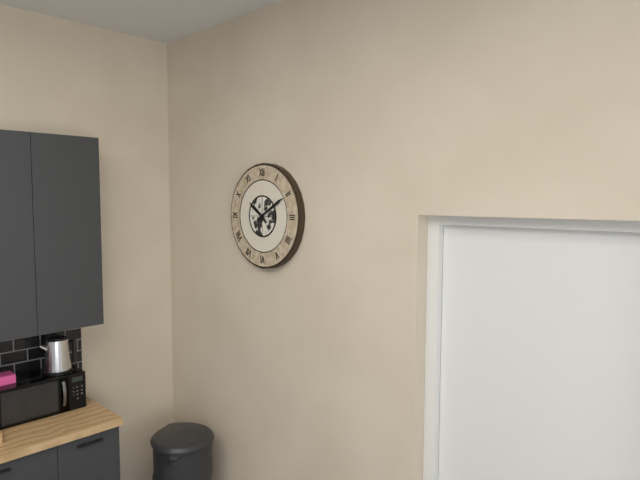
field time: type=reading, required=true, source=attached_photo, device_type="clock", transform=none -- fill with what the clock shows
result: 10:10
